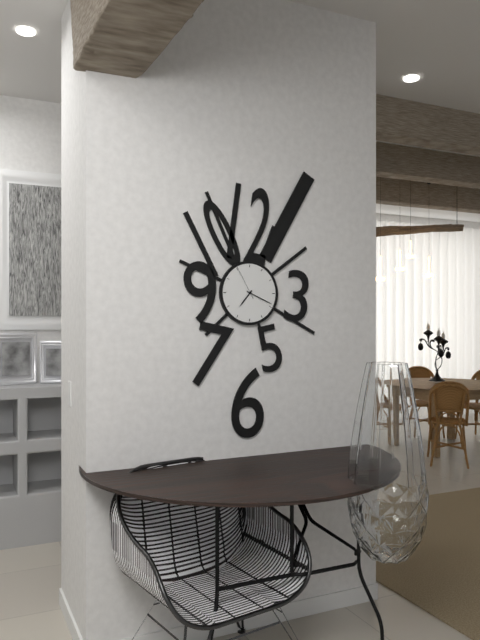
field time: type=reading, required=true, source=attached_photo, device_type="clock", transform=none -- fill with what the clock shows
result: 7:19
